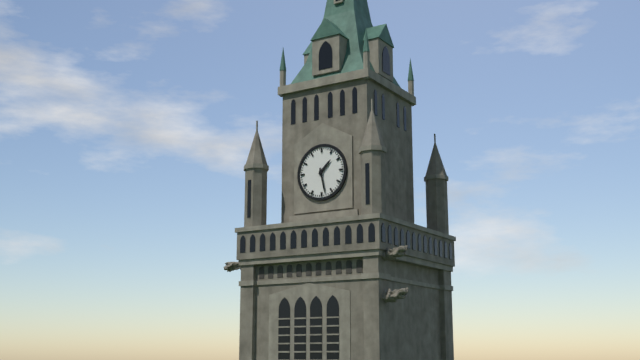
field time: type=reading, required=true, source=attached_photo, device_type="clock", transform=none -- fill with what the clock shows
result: 1:28
